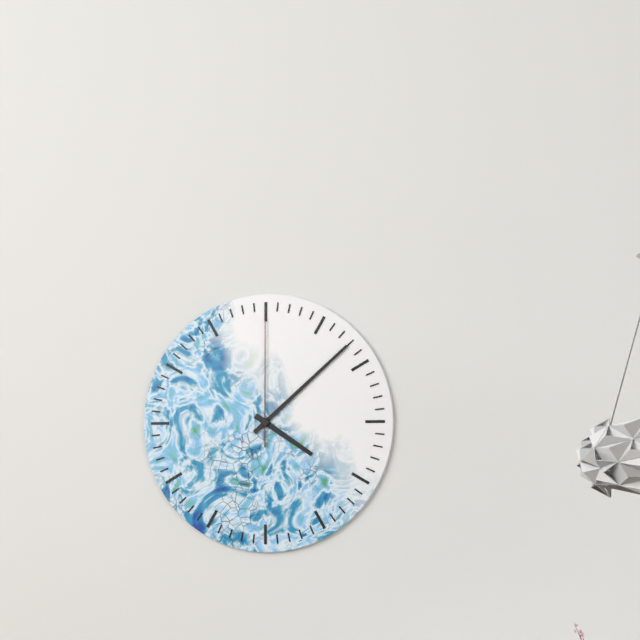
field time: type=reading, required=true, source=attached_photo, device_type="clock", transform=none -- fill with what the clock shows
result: 4:08:00
